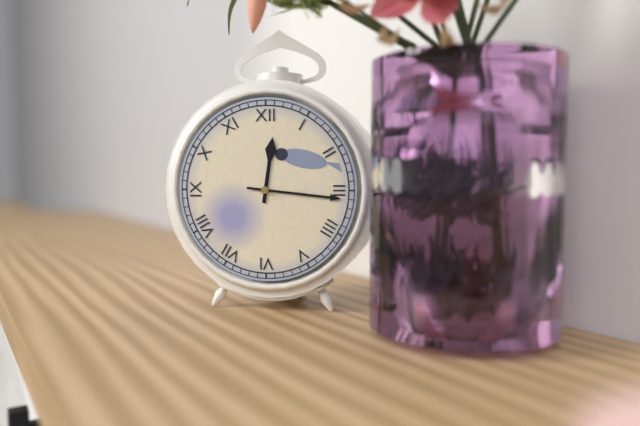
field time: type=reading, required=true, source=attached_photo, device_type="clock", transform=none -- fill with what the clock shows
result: 12:16
